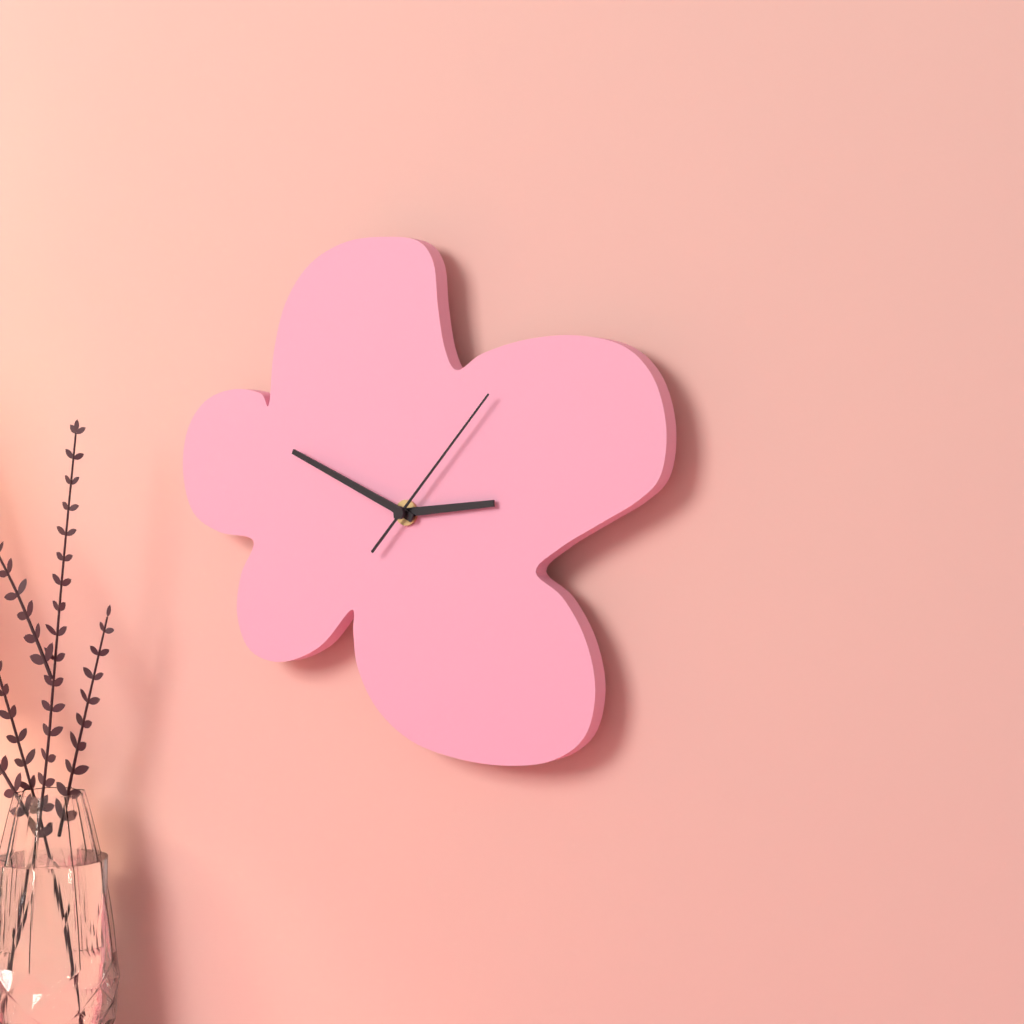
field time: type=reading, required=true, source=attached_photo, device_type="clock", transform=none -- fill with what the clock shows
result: 2:49:07
